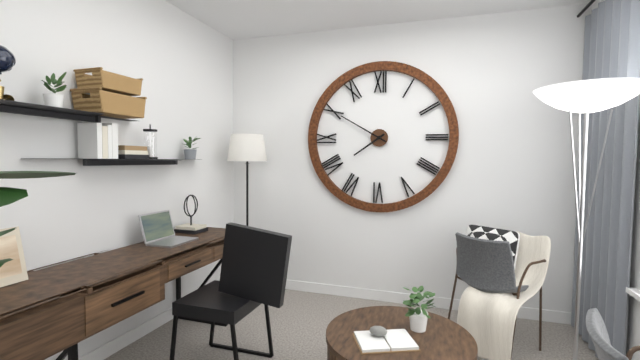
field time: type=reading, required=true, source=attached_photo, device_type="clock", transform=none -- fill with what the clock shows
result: 7:50
